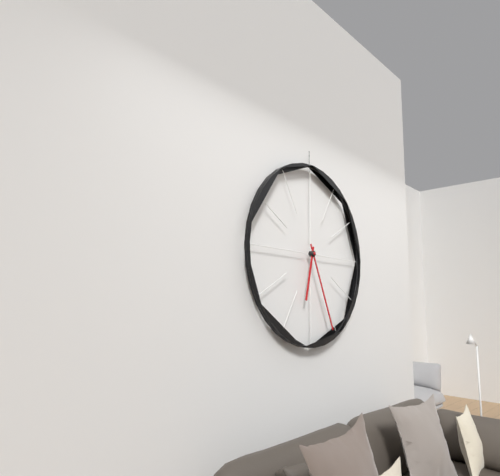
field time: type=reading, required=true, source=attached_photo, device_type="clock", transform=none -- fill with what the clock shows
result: 6:26
